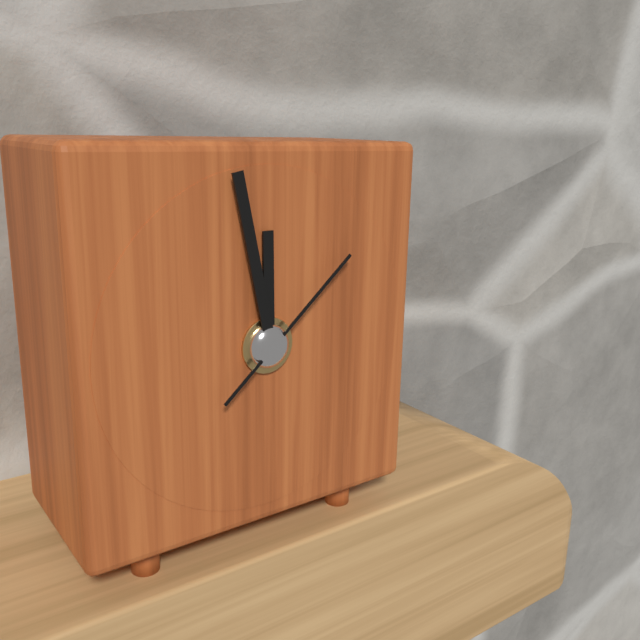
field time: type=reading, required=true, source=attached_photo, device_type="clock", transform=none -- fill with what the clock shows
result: 11:58:08
